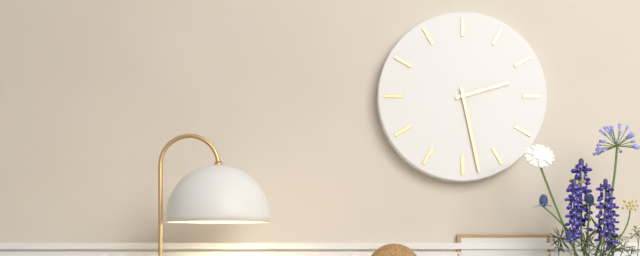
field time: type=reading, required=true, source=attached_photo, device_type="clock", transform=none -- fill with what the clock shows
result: 2:28
